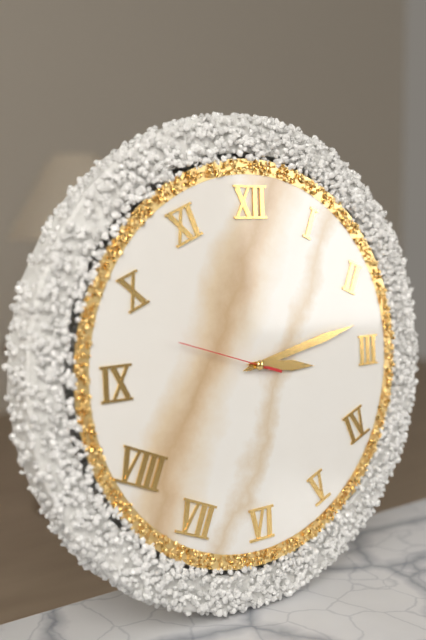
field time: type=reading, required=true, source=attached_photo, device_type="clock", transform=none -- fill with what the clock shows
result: 3:13:48
